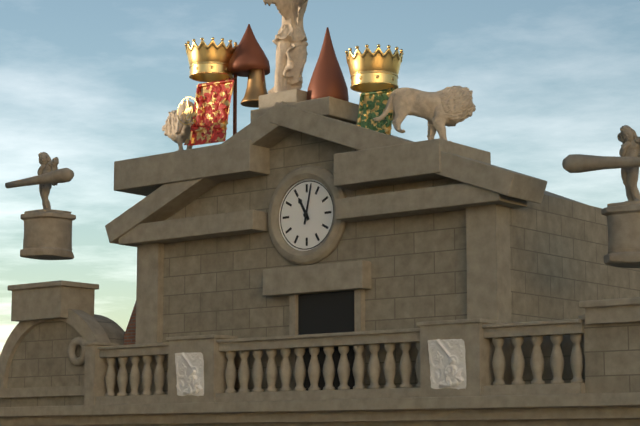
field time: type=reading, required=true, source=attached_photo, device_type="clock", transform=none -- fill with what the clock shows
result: 11:02
